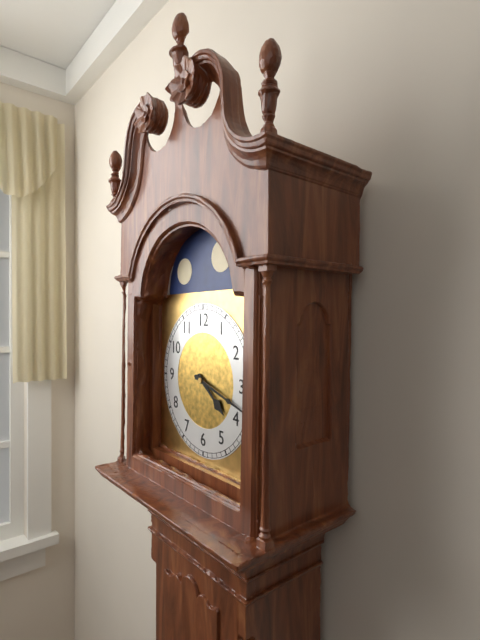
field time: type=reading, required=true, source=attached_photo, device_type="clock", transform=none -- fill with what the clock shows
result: 4:18
